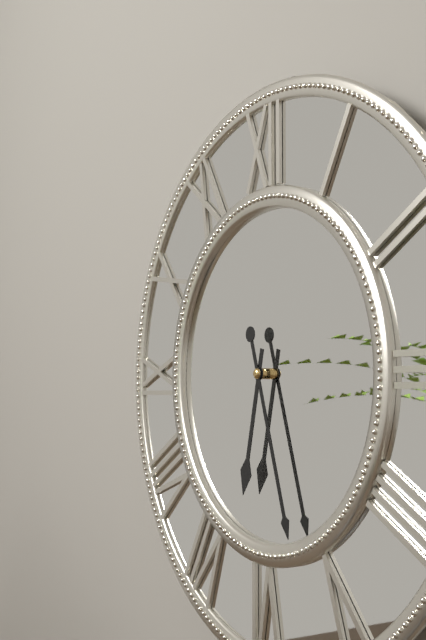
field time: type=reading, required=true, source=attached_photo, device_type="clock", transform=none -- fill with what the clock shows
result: 6:27
